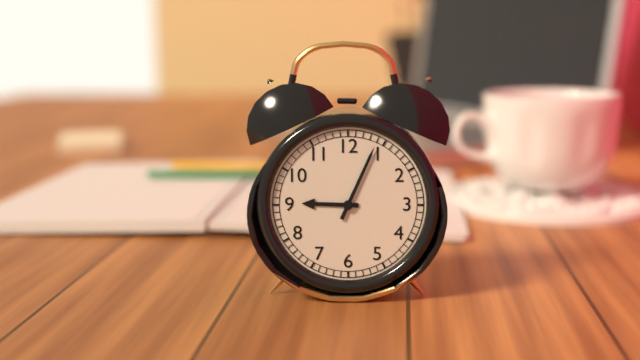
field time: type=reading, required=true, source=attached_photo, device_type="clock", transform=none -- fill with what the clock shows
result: 9:04
